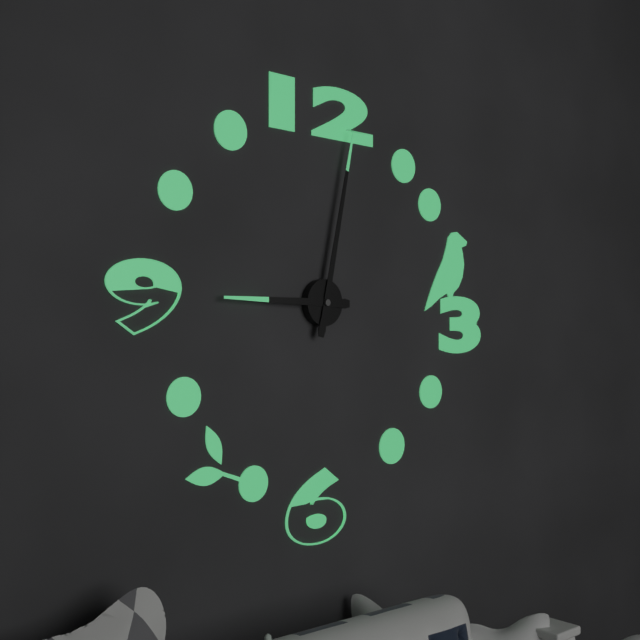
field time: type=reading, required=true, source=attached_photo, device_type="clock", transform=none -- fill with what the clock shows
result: 9:02
